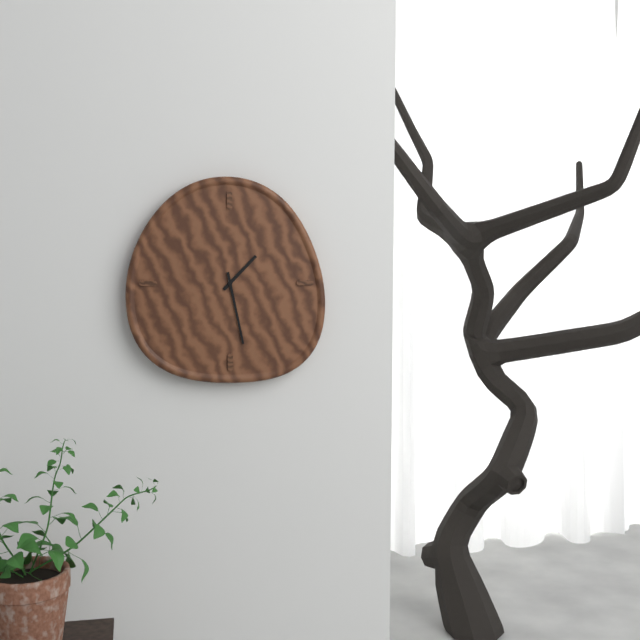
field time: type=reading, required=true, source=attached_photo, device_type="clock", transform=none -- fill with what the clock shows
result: 1:28
